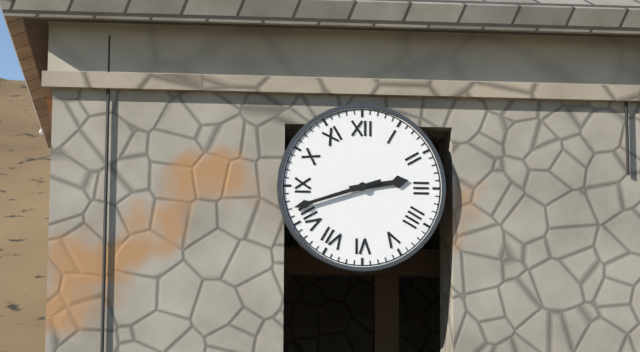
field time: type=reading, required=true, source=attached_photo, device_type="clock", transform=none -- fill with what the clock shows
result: 2:42
